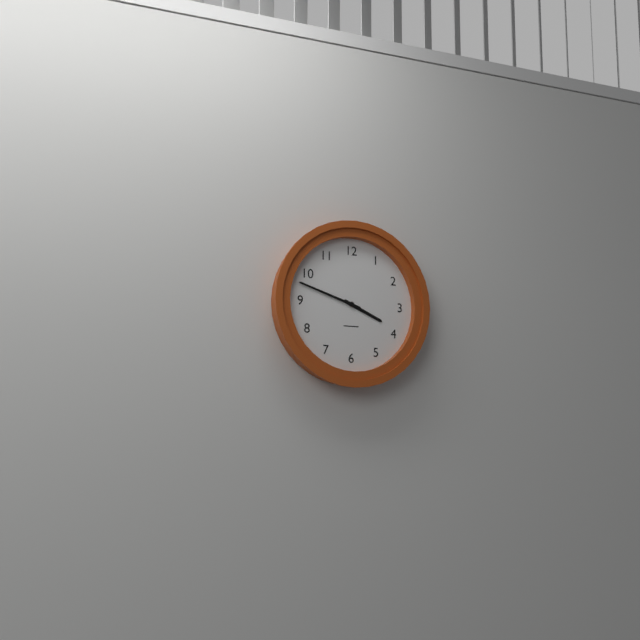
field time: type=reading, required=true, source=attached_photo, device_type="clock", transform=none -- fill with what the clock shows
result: 3:48
